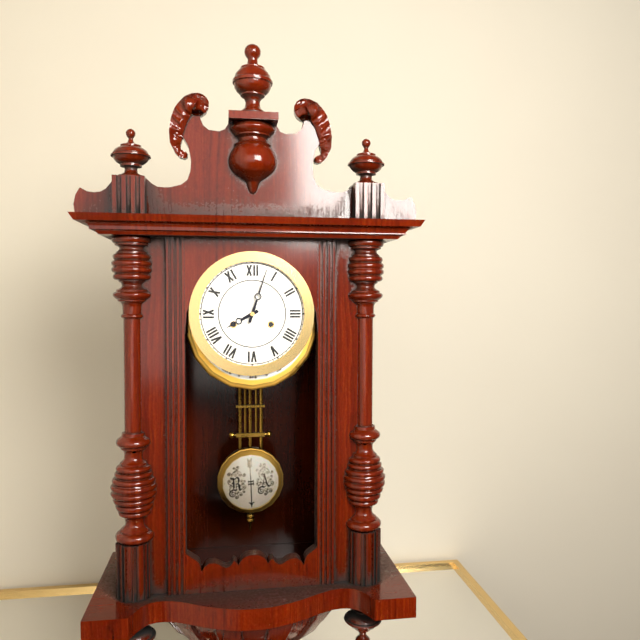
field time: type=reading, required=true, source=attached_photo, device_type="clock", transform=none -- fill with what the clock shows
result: 8:03
